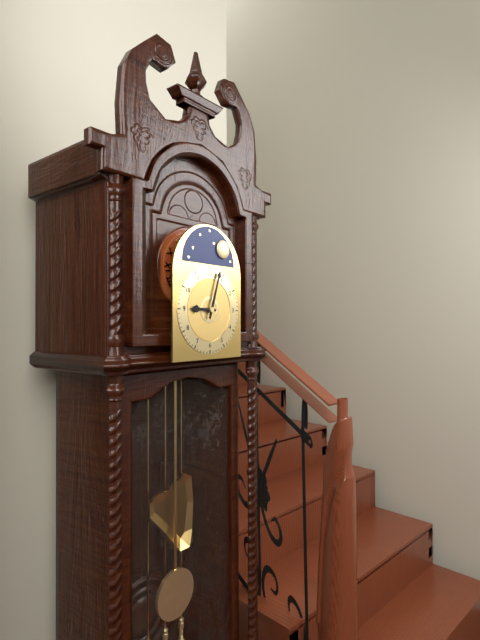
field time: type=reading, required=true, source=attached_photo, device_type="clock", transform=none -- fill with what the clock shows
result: 9:03
